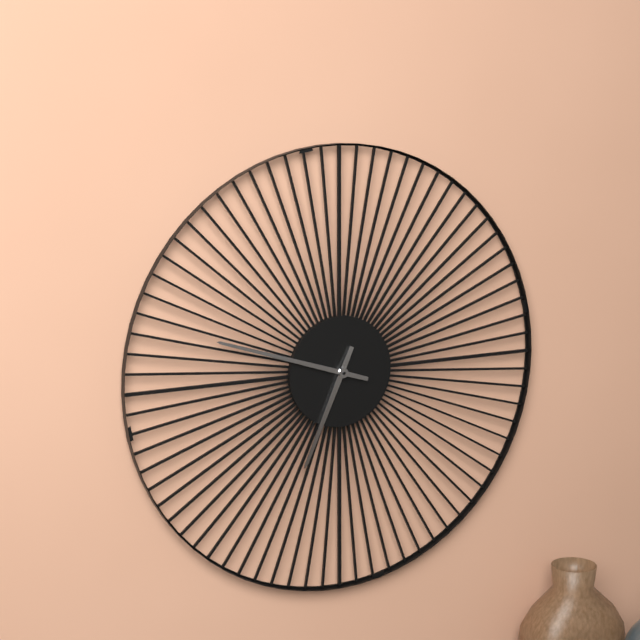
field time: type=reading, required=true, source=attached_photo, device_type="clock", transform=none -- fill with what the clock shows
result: 6:48
